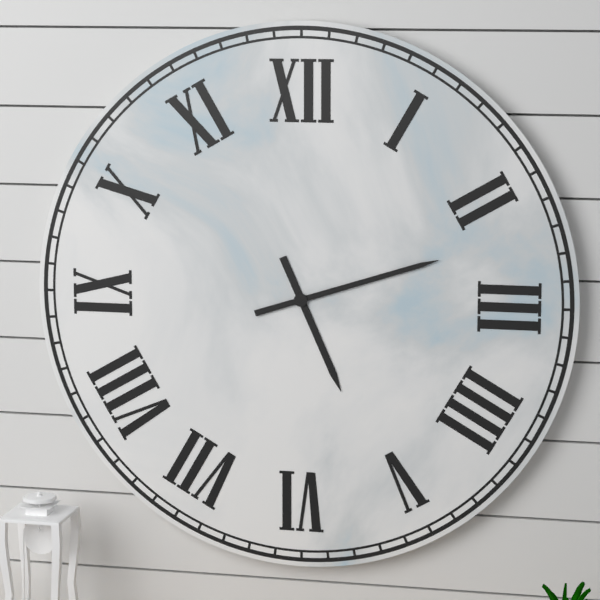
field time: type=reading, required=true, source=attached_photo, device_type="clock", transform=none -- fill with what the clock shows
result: 5:12
